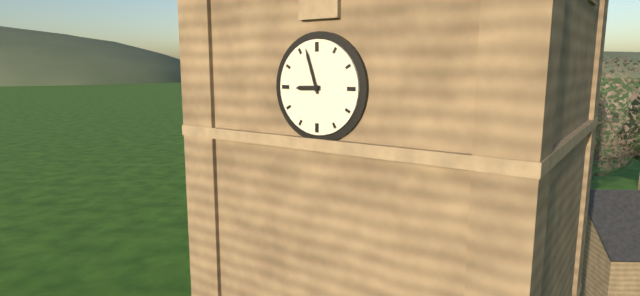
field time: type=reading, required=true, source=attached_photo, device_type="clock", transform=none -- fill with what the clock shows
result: 8:57
